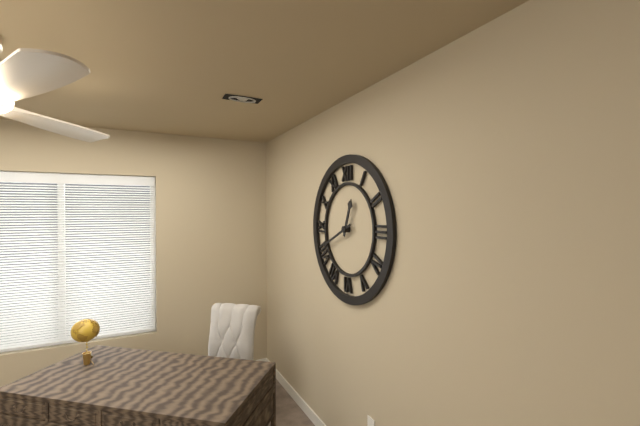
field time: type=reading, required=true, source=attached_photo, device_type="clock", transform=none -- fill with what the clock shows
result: 12:41
